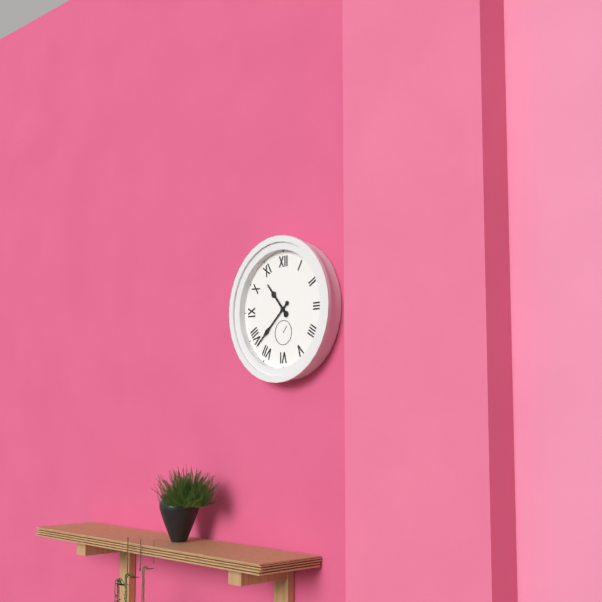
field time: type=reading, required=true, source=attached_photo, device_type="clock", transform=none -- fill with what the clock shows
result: 10:38
